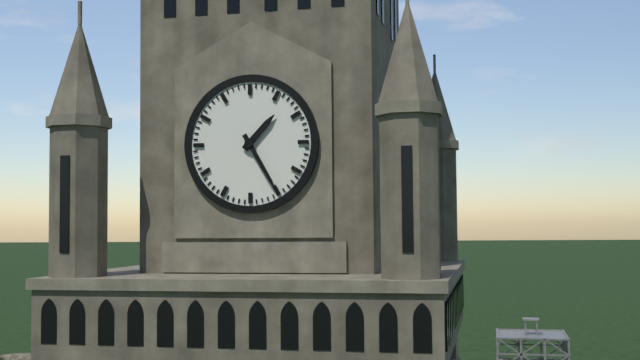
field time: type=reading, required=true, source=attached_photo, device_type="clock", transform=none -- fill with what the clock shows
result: 1:25
